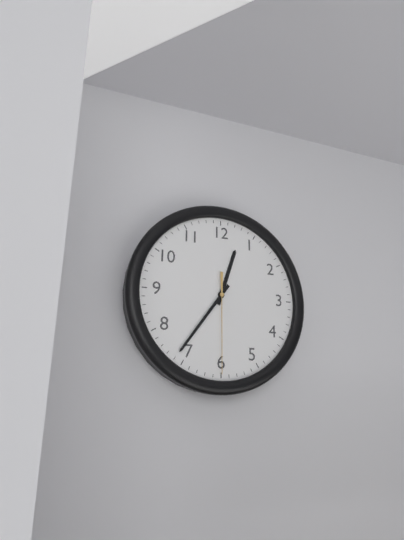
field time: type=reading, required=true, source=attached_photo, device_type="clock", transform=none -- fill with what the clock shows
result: 12:36:30
